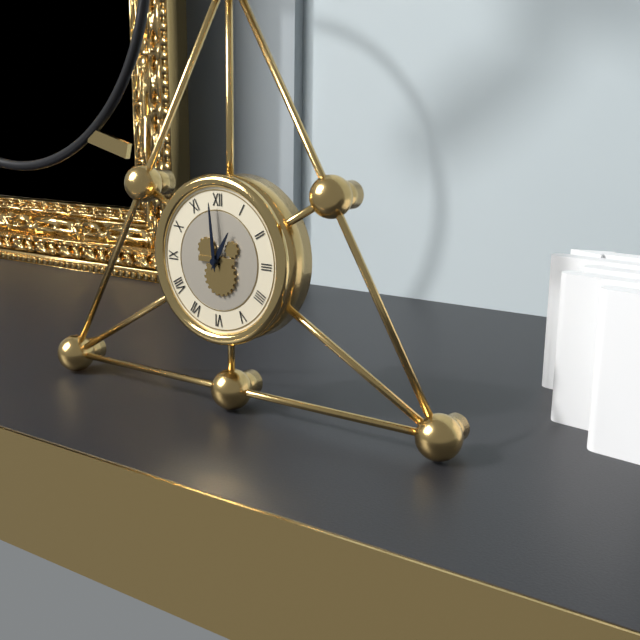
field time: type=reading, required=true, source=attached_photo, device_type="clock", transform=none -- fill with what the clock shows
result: 12:59
